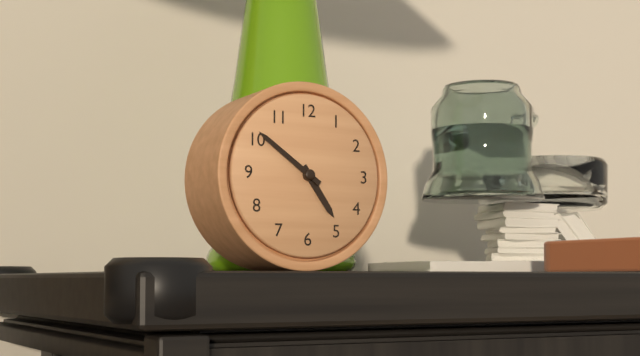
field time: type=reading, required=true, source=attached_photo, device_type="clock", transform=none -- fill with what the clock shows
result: 4:51
